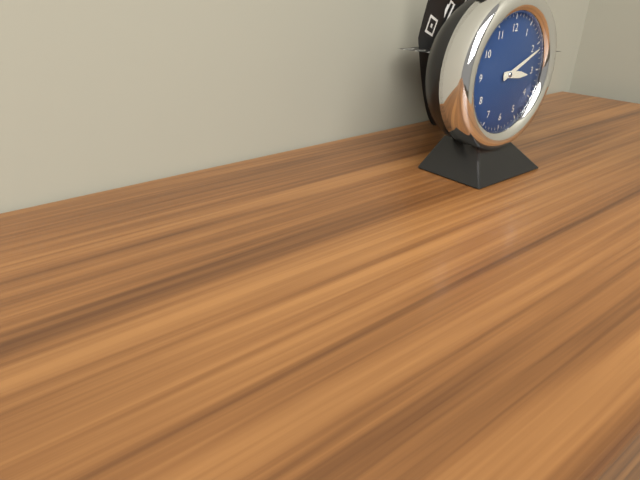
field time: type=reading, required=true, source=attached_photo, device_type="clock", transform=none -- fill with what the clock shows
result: 3:11
